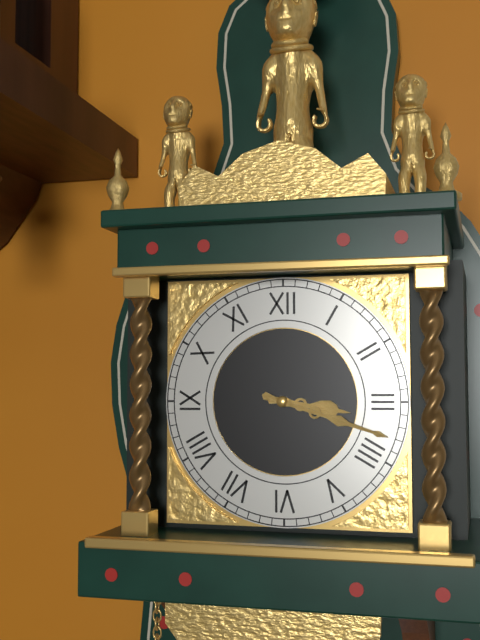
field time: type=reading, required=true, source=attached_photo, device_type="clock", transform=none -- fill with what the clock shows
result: 3:18
